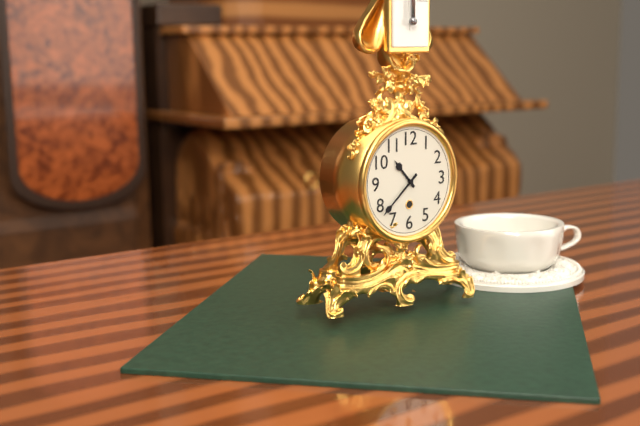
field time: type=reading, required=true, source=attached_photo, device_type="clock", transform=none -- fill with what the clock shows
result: 10:38
